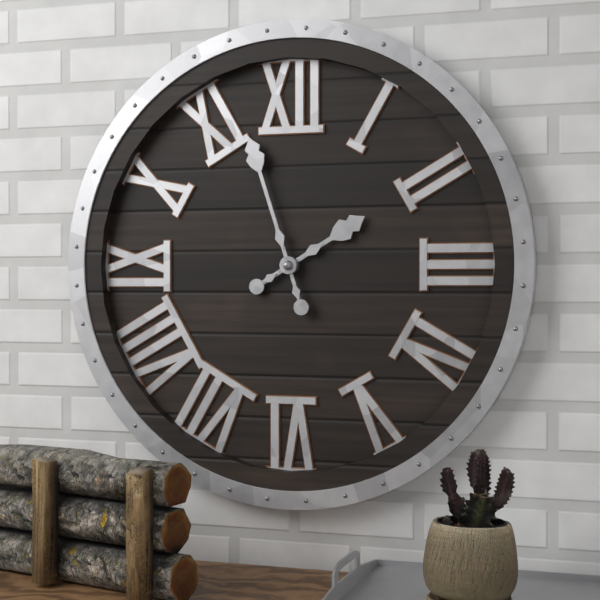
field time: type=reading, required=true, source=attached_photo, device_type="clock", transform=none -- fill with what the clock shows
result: 1:57
